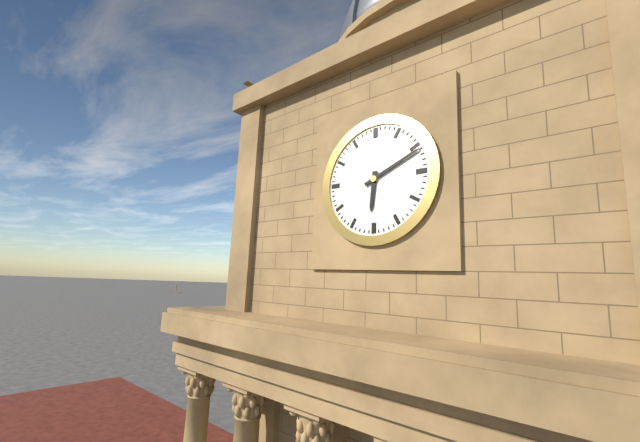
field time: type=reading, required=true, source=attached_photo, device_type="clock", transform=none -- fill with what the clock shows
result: 6:11
